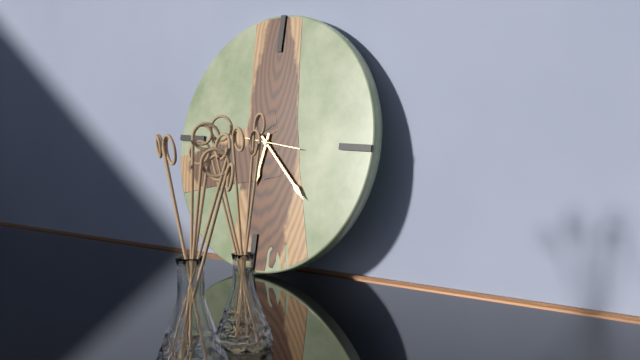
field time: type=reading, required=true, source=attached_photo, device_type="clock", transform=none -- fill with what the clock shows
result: 6:22
